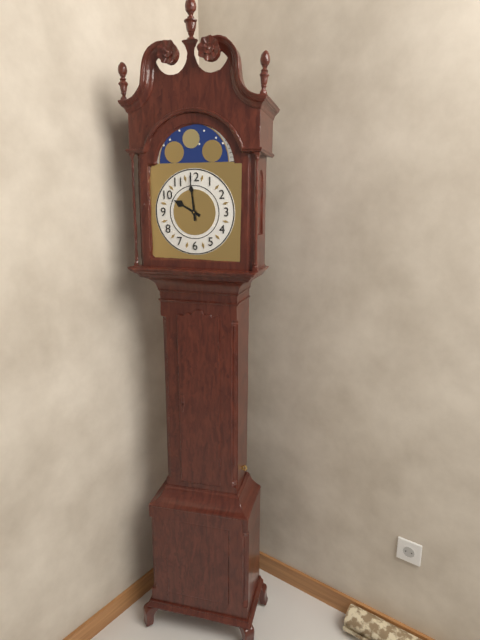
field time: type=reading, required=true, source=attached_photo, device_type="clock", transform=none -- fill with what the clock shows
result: 9:59
